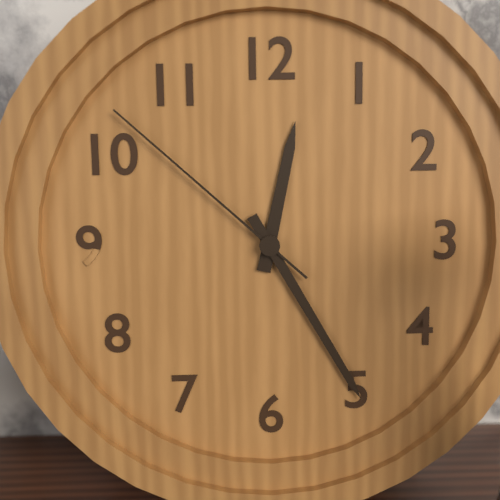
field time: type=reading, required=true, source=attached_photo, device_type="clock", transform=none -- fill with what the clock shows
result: 12:25:52
